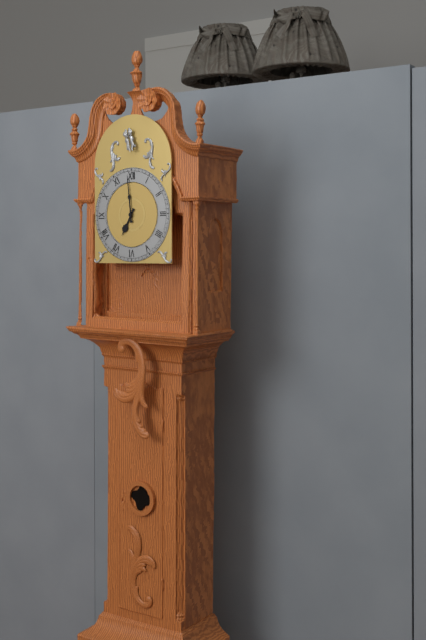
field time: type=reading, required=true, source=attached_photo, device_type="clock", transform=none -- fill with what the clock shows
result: 6:59
